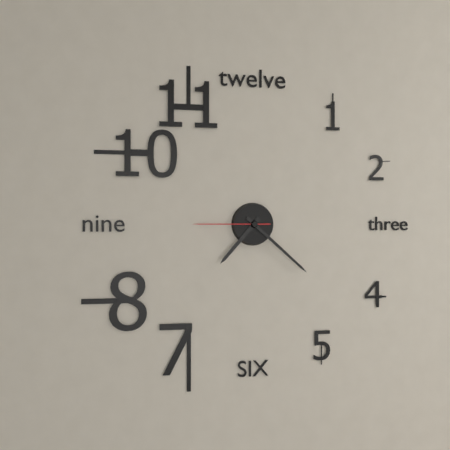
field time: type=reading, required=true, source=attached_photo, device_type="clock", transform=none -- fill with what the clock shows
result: 7:22:45
